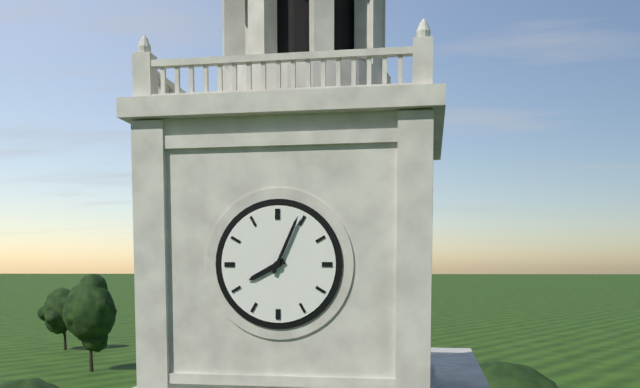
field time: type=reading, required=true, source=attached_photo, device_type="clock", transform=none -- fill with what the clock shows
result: 8:04
